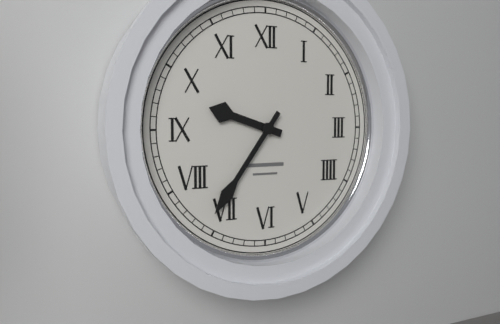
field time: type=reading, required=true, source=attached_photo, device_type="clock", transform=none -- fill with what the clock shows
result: 9:36
